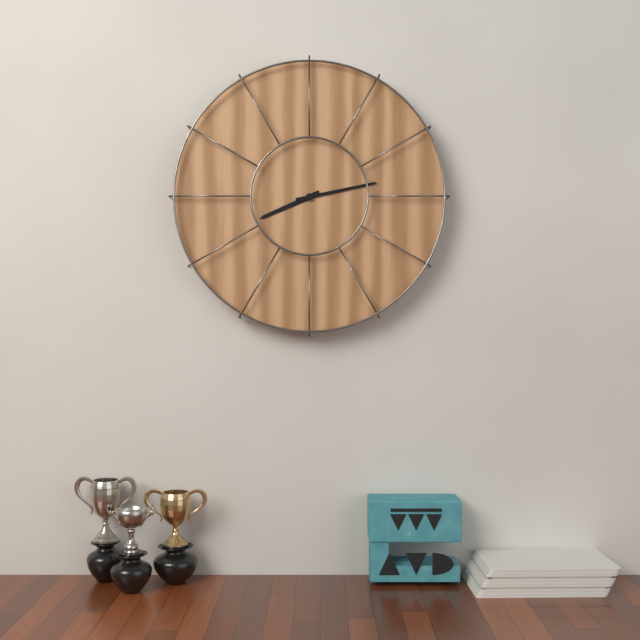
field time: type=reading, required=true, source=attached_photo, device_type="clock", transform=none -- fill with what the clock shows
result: 8:13
